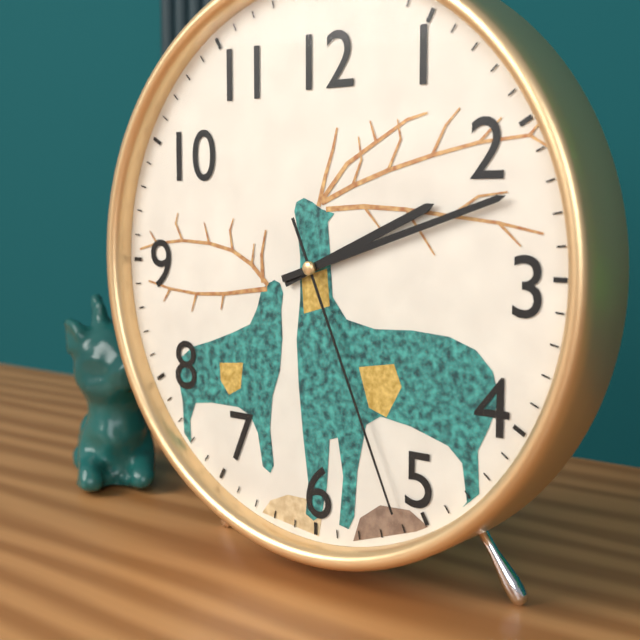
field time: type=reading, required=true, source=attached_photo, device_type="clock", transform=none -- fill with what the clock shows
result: 2:12:26
